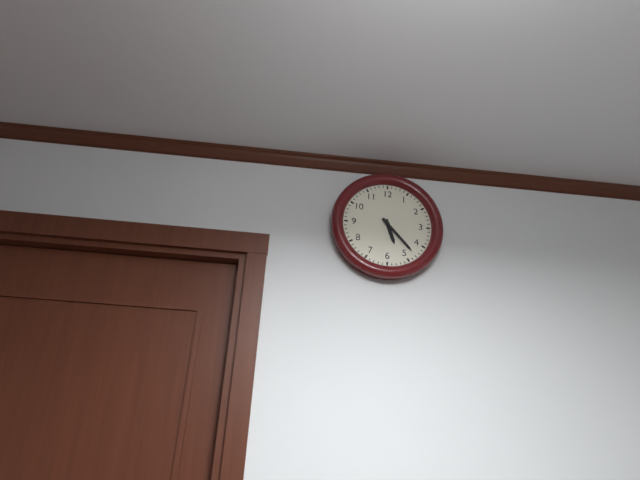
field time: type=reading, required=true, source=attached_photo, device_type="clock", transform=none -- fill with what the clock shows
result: 5:23
